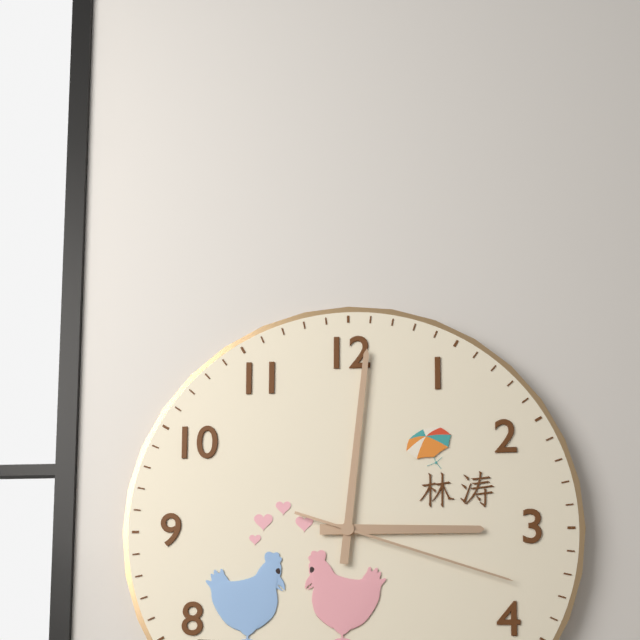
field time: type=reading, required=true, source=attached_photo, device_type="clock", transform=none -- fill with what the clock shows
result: 3:01:18
